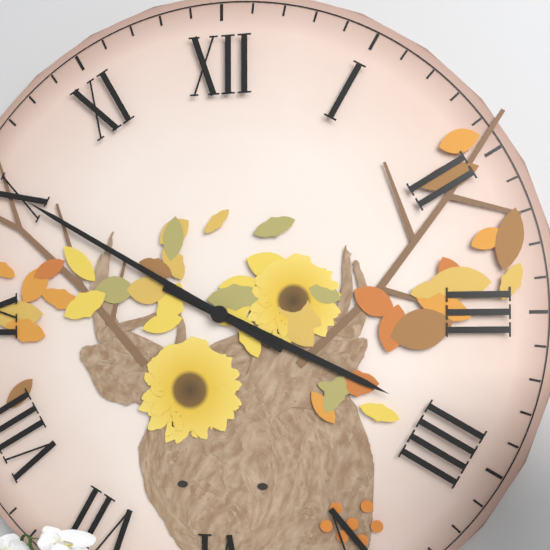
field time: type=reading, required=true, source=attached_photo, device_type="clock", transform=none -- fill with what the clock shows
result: 3:50
